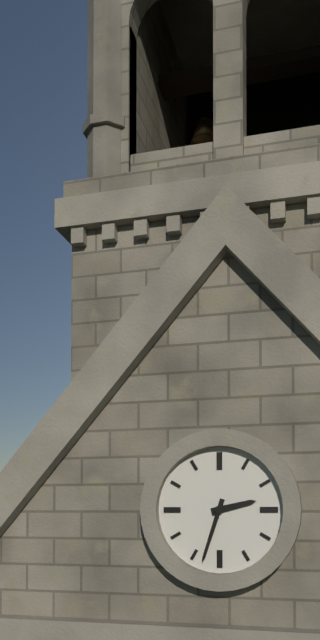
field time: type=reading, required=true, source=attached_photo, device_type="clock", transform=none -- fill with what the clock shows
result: 2:33
